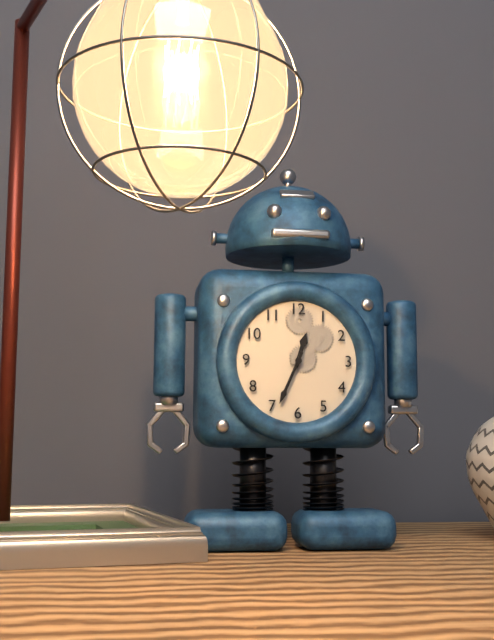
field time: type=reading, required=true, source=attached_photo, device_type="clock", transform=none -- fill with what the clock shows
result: 12:34
